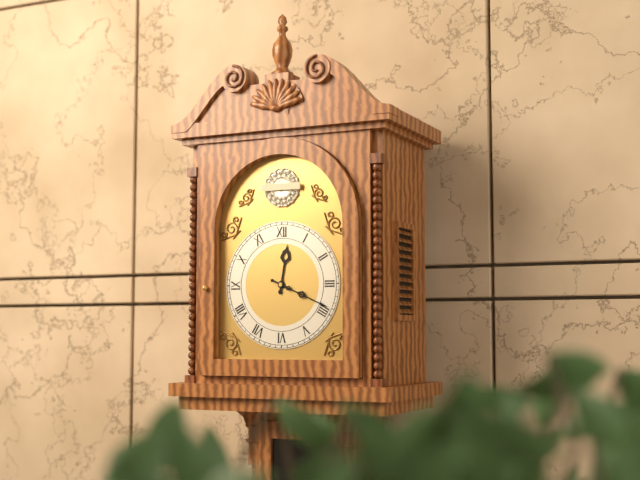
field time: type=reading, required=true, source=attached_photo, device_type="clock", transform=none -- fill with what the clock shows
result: 12:19
